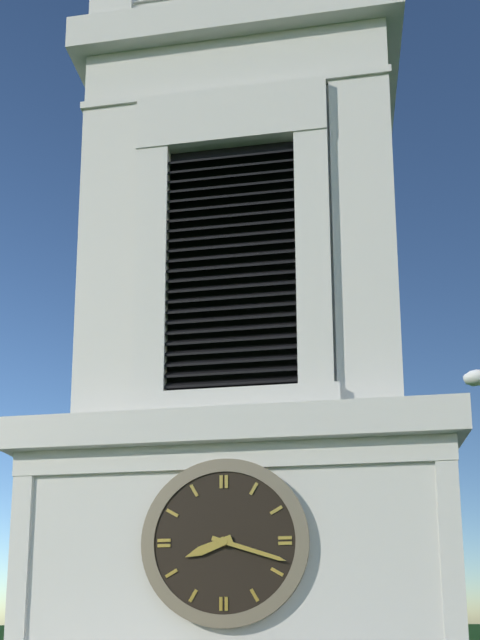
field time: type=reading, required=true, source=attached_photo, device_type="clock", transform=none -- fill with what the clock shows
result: 8:18
